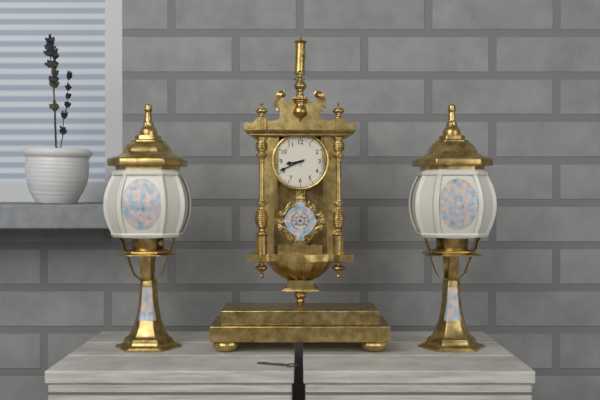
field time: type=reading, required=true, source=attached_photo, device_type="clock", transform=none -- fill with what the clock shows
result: 8:41
